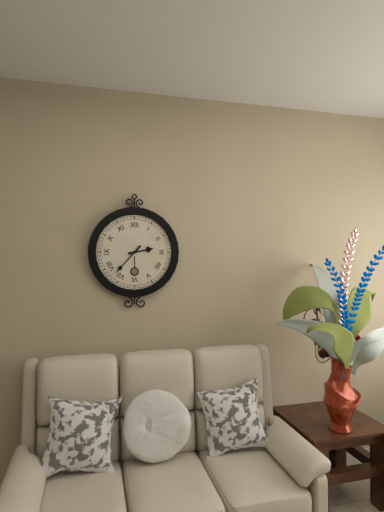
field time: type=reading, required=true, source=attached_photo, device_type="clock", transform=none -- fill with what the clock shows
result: 2:37
